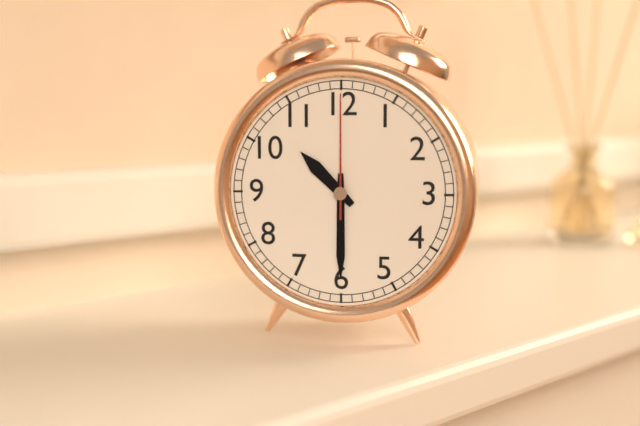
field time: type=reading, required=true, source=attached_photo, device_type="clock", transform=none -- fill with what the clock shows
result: 10:30:00
